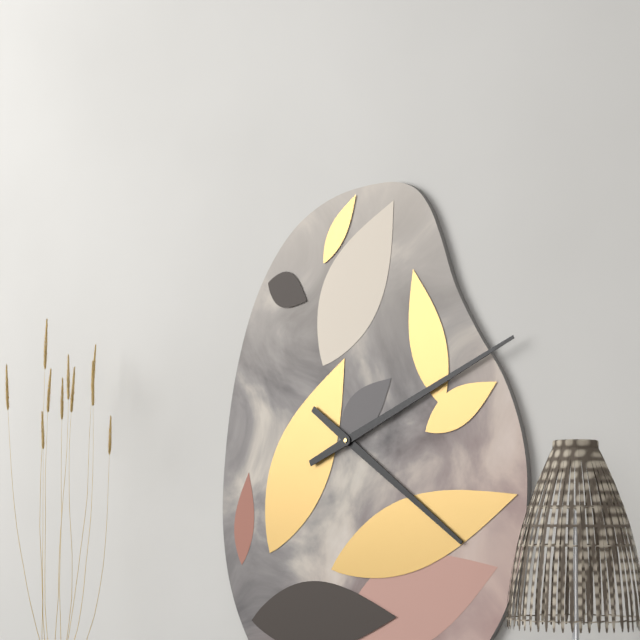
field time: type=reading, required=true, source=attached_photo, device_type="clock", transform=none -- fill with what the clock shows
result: 4:11
